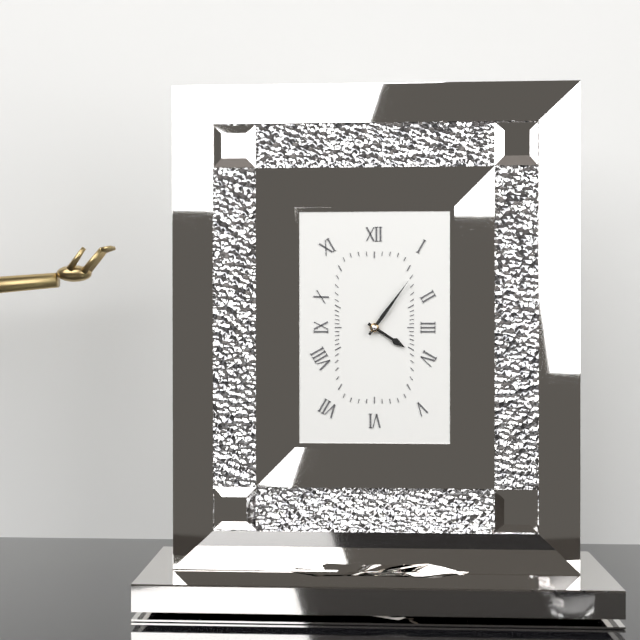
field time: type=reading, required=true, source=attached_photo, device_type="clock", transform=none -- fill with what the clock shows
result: 4:06
